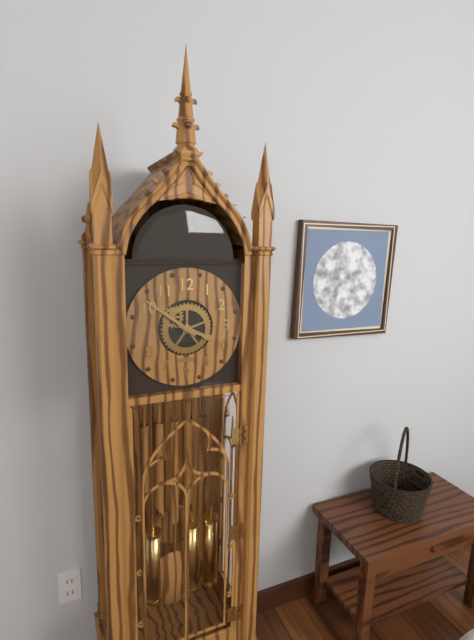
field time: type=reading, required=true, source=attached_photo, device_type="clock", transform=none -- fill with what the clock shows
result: 3:51
